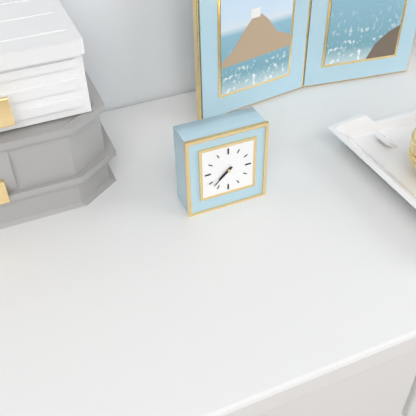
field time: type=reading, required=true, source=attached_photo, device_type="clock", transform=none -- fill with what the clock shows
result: 7:38
